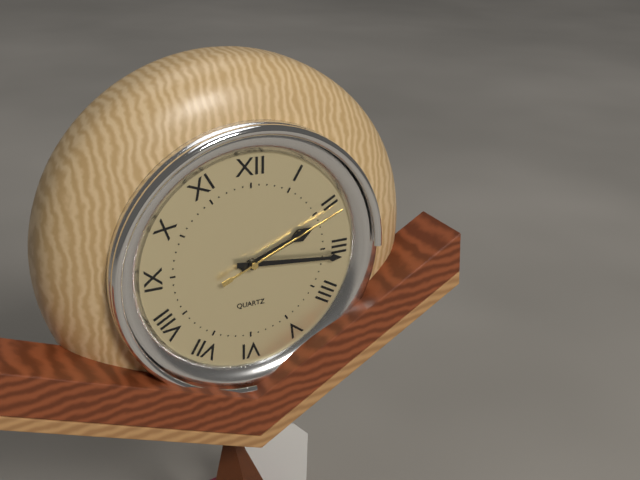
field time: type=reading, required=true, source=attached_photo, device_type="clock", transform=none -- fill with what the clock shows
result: 2:16:11
